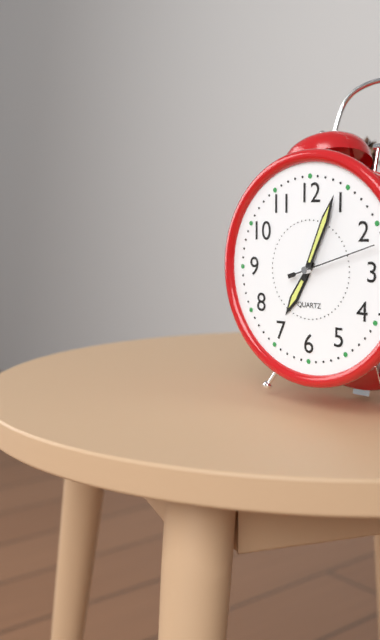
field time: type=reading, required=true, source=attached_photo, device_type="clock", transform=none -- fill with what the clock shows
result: 7:04:12
